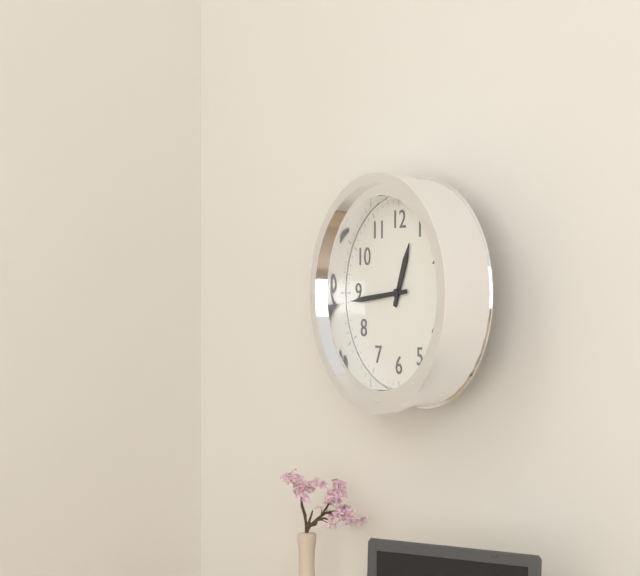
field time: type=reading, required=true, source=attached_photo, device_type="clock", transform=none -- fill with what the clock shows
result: 12:44
